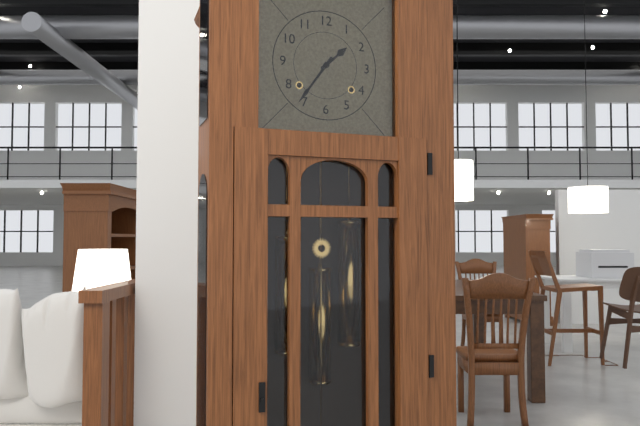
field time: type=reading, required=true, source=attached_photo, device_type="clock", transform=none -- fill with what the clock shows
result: 1:36
